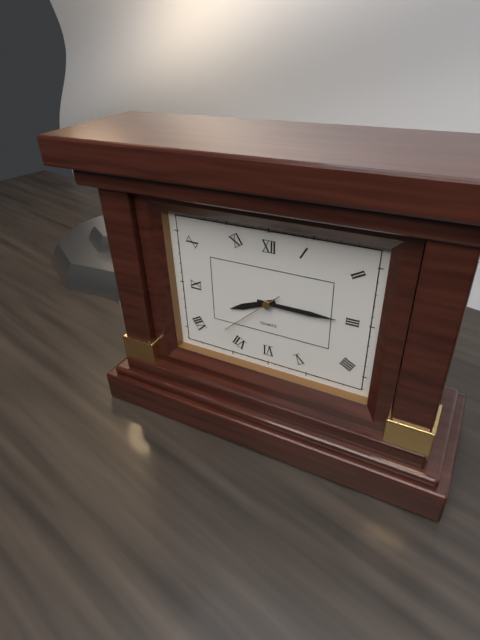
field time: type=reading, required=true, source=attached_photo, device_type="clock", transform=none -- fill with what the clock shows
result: 8:15:38
